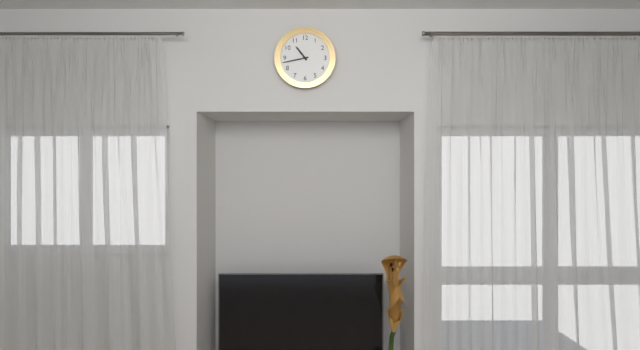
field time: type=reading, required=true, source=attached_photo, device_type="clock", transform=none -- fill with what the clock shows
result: 10:43
